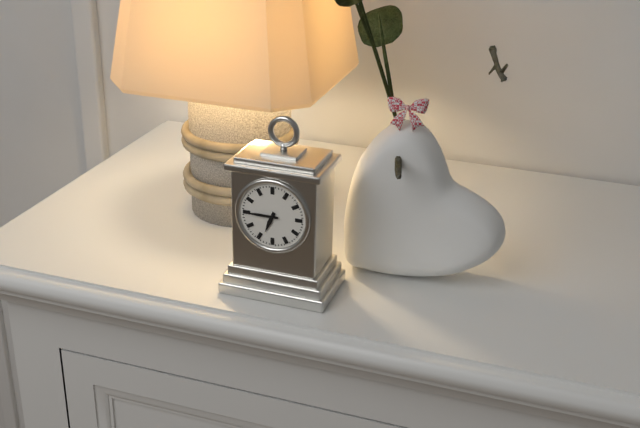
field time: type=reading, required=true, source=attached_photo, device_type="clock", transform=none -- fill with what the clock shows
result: 6:45
